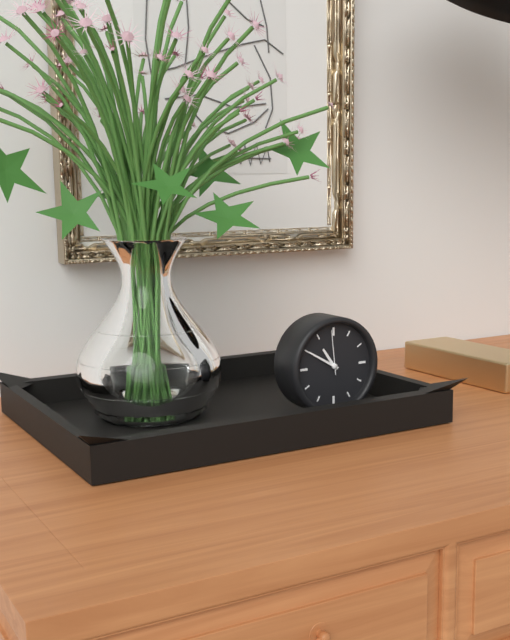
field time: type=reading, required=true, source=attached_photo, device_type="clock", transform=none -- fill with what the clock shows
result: 10:50
